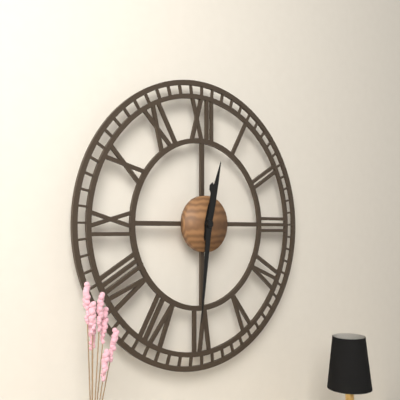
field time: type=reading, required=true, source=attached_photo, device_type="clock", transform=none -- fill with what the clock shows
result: 12:31
